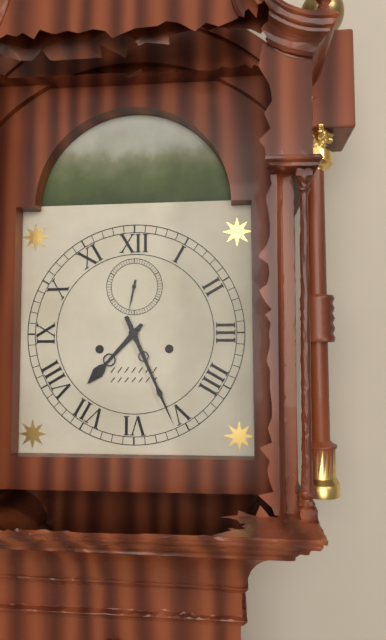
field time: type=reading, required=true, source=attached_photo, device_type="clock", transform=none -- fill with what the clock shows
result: 7:26
